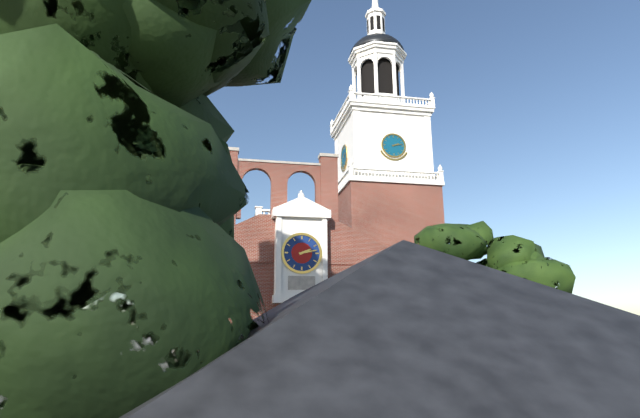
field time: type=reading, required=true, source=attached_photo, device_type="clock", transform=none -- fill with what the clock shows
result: 2:13
